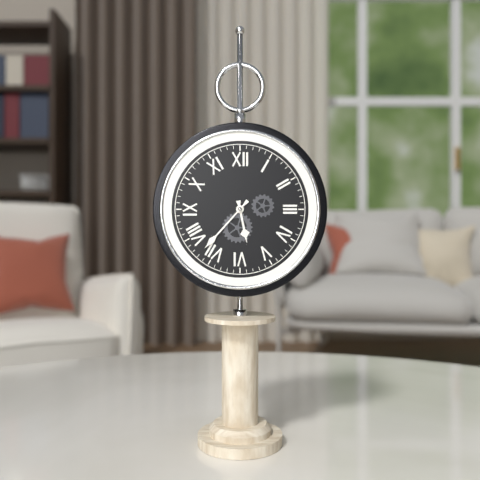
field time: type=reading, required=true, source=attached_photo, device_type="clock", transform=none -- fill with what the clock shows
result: 5:37
